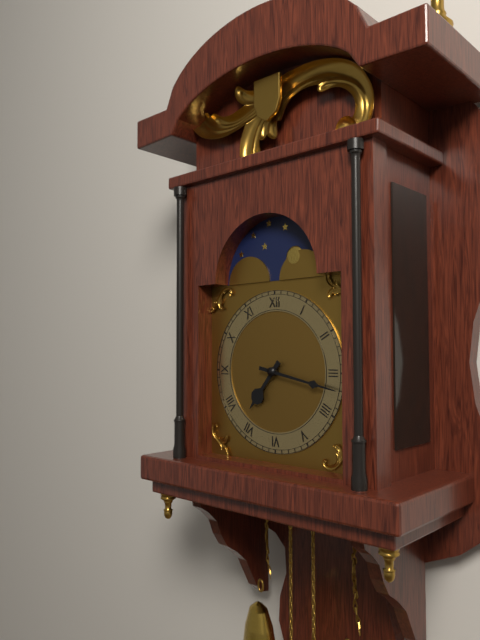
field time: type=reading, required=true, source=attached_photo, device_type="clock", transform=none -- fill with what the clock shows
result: 7:17
